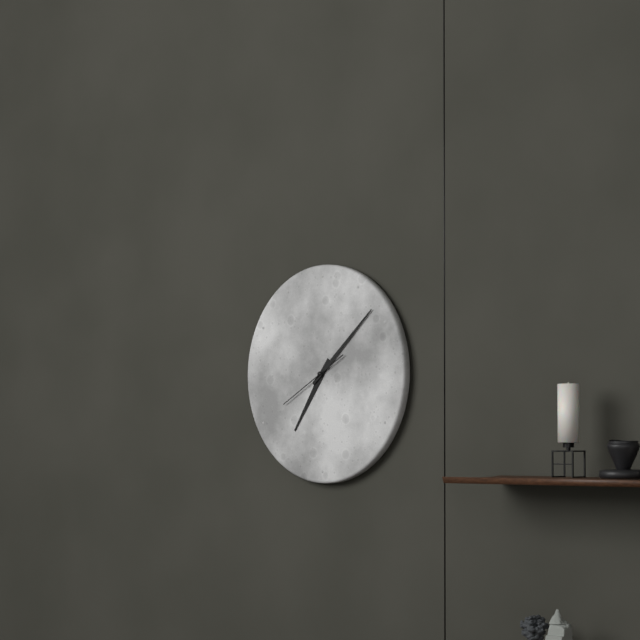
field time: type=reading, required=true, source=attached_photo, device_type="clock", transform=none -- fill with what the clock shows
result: 7:08:40
